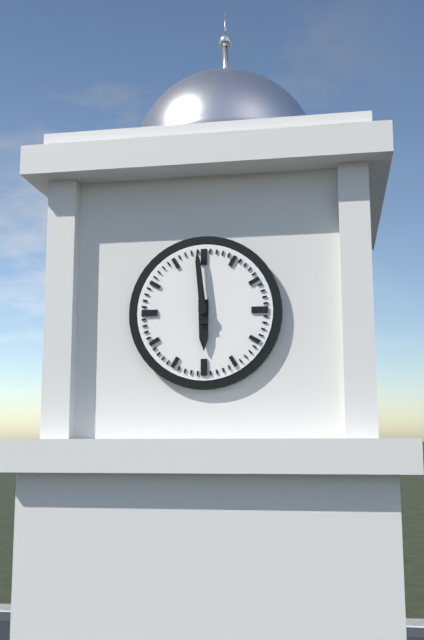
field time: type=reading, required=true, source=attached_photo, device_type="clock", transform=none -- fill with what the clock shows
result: 5:59
